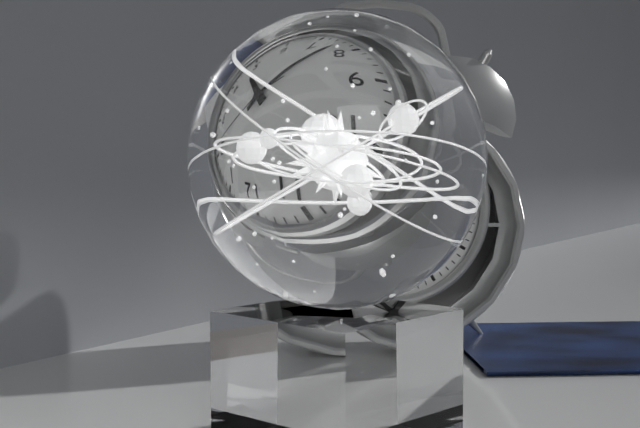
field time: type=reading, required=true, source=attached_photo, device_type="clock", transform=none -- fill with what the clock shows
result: 4:38:11
